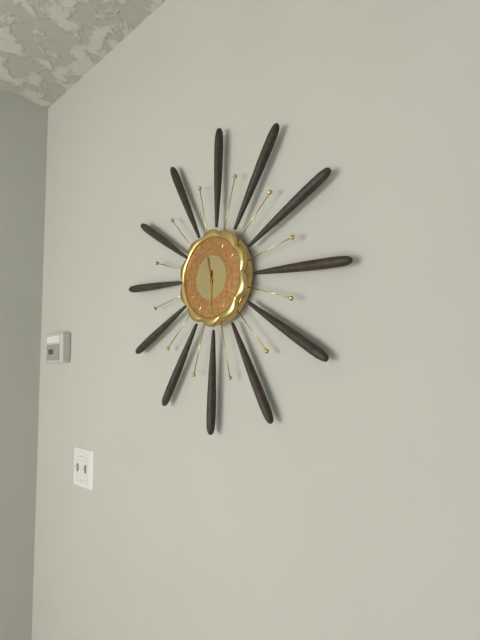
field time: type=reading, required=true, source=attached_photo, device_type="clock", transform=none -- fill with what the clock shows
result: 11:30
